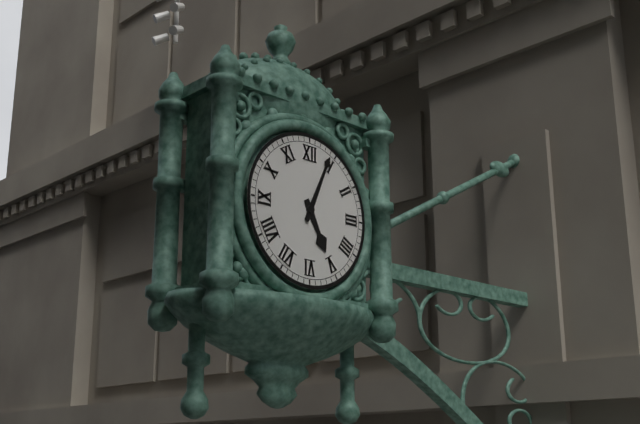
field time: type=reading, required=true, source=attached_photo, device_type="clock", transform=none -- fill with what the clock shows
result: 5:04
